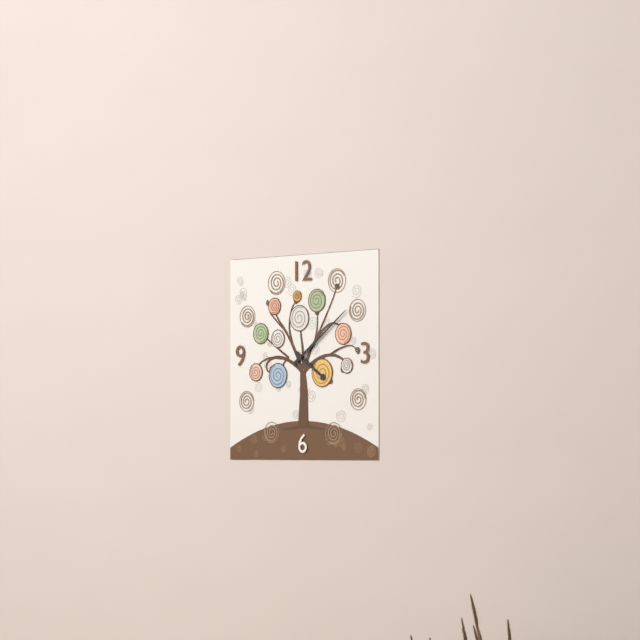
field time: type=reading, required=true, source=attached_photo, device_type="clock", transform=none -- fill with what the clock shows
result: 4:09
